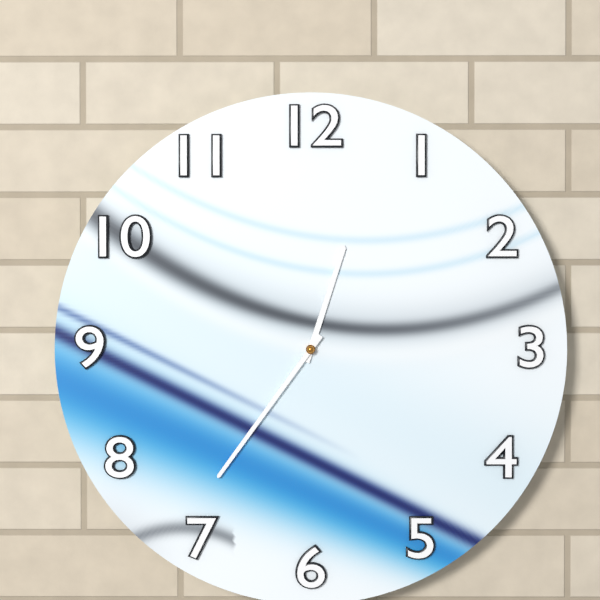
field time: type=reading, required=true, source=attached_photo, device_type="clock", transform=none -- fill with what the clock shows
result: 12:36
